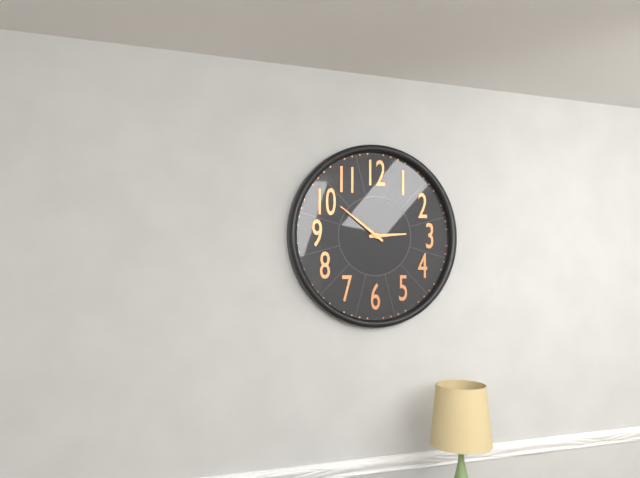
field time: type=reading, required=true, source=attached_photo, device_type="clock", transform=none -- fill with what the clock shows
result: 2:51
